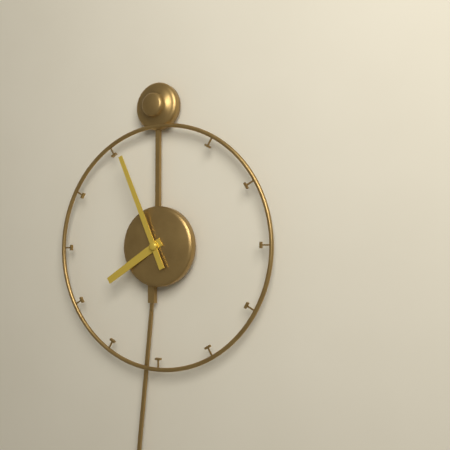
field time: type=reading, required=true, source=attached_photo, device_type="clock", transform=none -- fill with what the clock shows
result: 7:56
